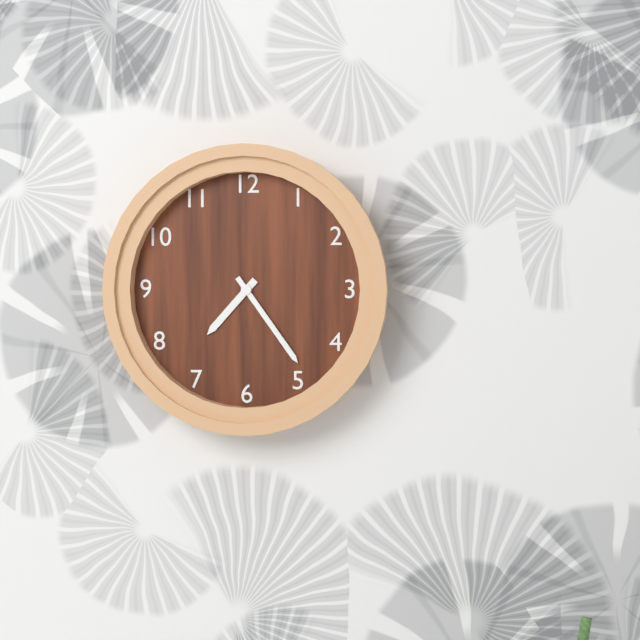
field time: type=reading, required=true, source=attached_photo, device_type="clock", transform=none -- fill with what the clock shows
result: 7:24
